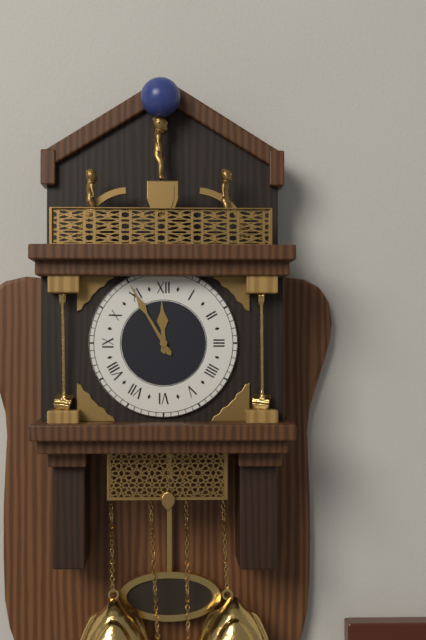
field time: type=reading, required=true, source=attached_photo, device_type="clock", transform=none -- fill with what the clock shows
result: 11:55
